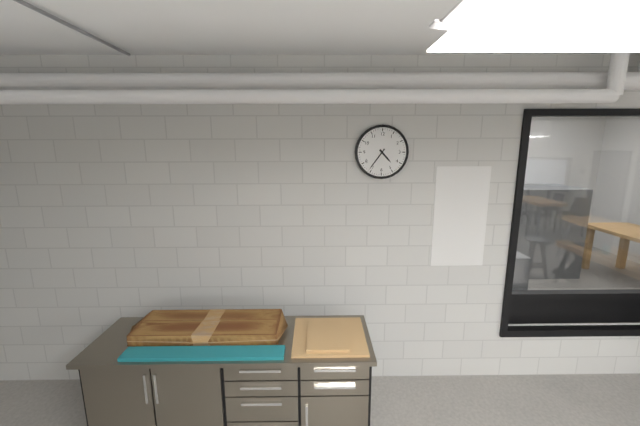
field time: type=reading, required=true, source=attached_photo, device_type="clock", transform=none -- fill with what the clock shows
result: 4:36
